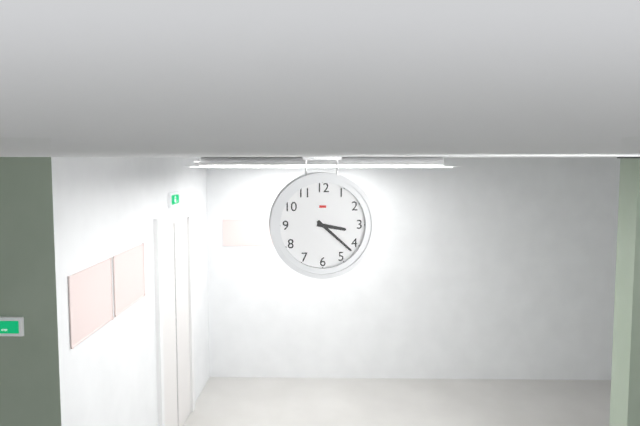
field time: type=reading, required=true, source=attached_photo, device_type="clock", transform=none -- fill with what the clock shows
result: 3:22
